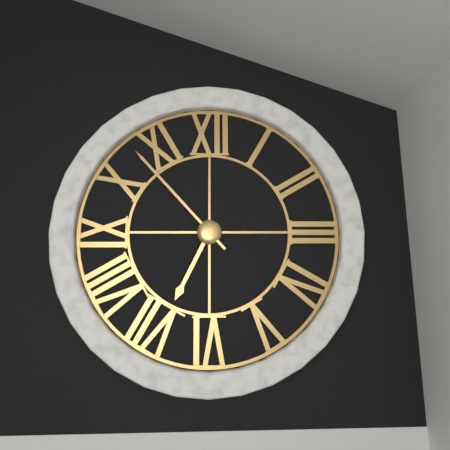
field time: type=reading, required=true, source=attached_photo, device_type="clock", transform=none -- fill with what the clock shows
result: 6:53
